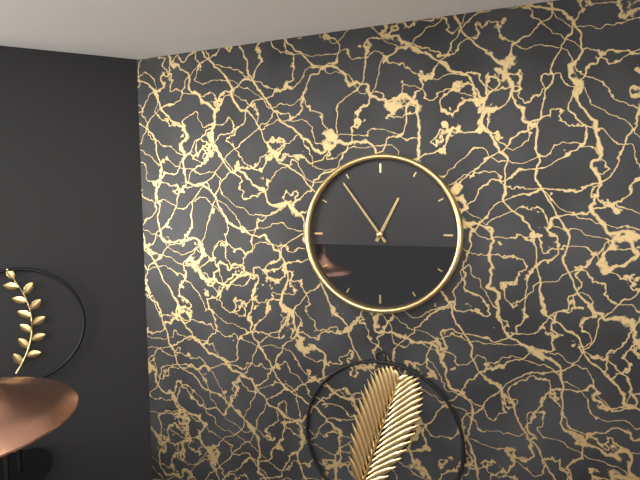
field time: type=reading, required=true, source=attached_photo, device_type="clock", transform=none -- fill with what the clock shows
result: 12:54
